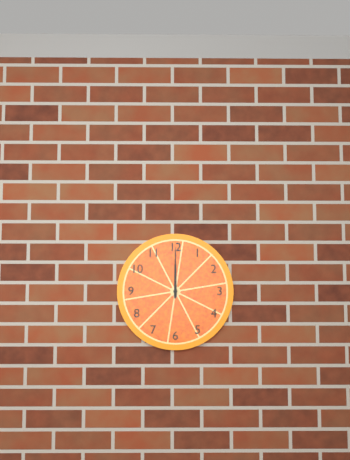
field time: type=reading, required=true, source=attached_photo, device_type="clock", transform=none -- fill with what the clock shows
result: 12:00
